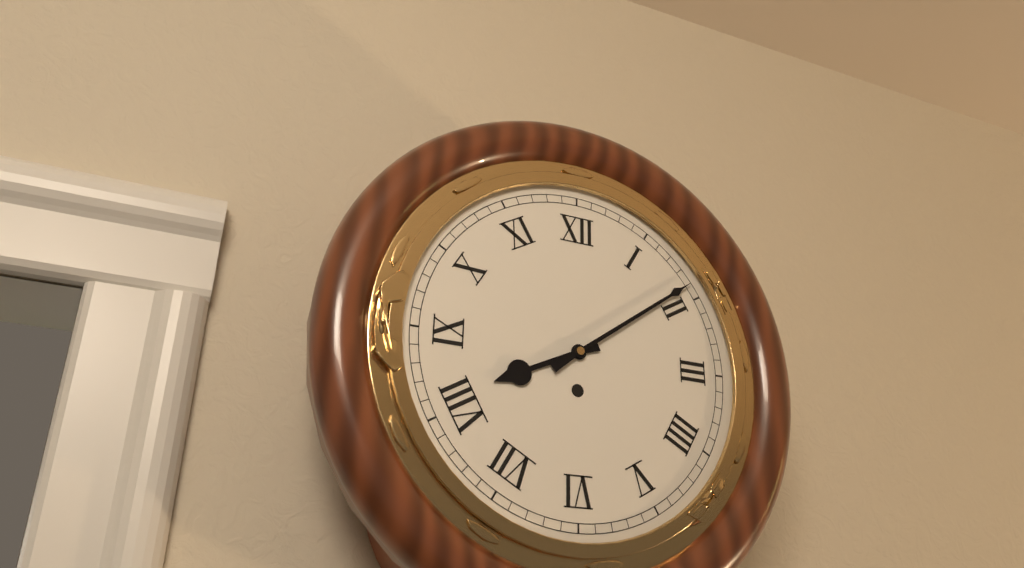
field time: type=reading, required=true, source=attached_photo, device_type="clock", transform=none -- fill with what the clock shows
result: 8:09
